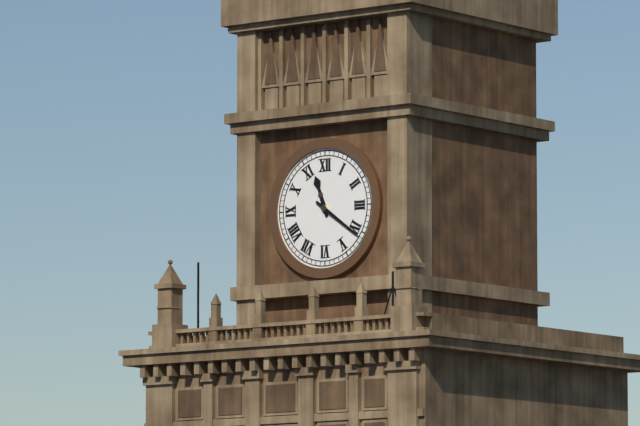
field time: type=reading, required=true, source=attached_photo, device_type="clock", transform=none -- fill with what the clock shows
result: 11:21
